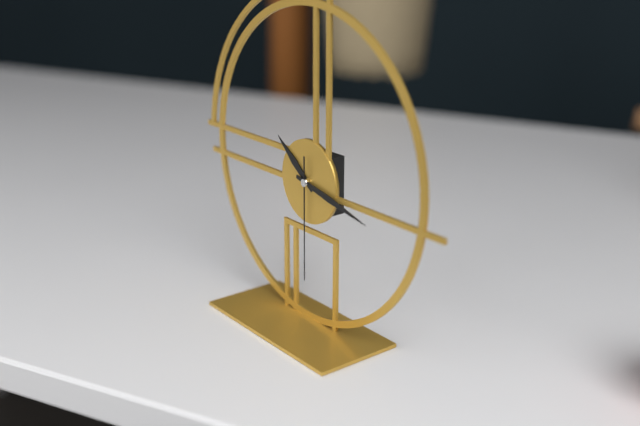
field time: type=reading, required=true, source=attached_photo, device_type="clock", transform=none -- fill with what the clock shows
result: 10:17:30
